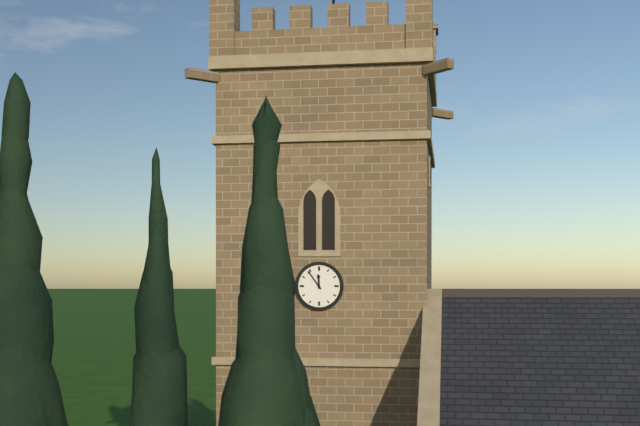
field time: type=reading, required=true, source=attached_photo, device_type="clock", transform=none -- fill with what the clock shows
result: 11:54
